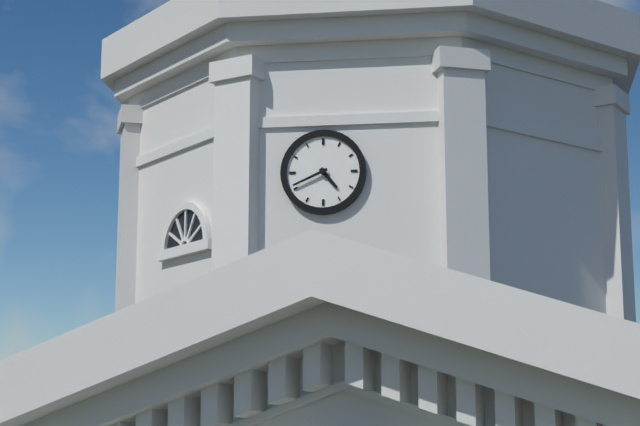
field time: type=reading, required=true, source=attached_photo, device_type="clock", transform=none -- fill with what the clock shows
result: 4:41
